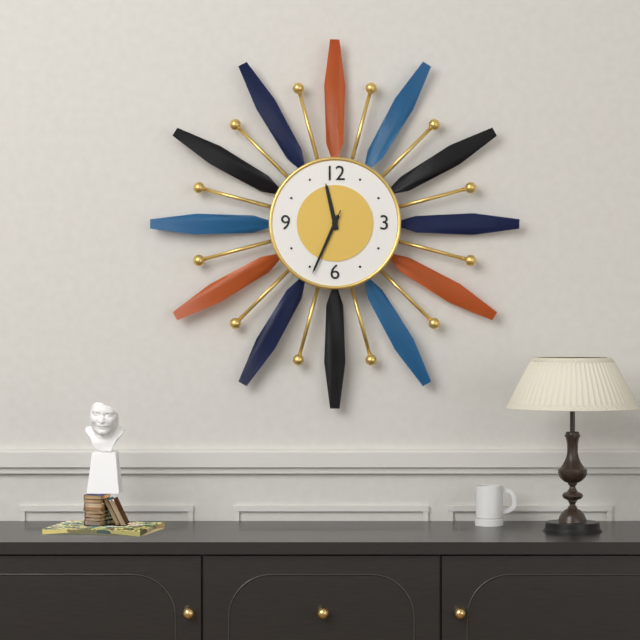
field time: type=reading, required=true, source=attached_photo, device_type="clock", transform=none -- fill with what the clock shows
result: 11:34:34
